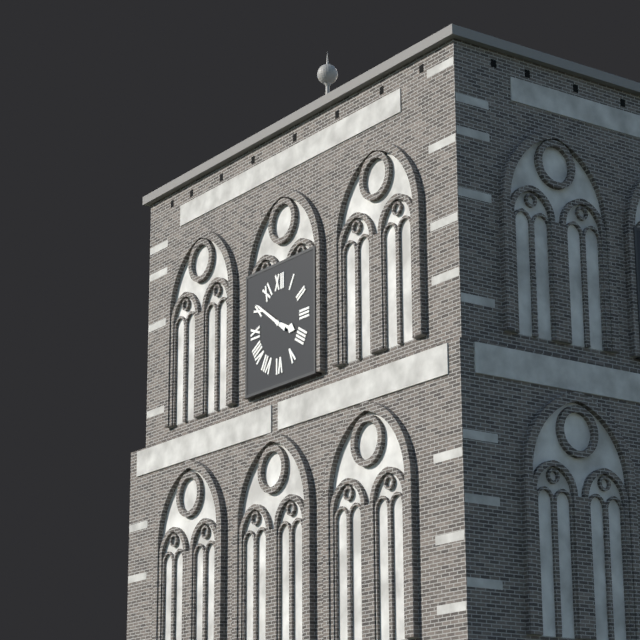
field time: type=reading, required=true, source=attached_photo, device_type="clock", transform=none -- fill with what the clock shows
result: 3:51
